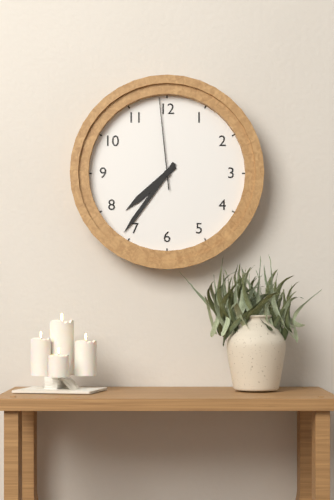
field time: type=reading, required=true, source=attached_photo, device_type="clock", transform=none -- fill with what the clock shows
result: 7:36:59
